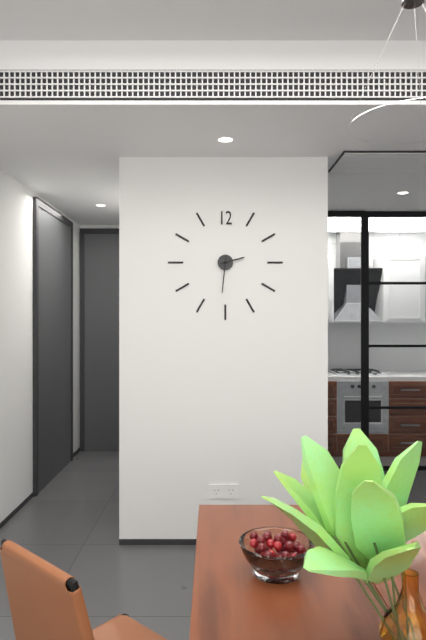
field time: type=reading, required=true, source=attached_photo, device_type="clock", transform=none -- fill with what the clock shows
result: 2:31
